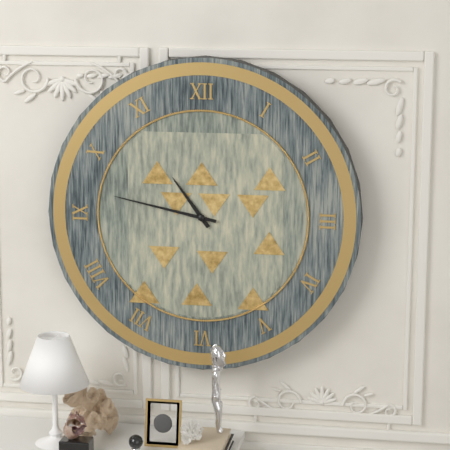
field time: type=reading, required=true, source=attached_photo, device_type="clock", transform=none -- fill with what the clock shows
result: 10:47
